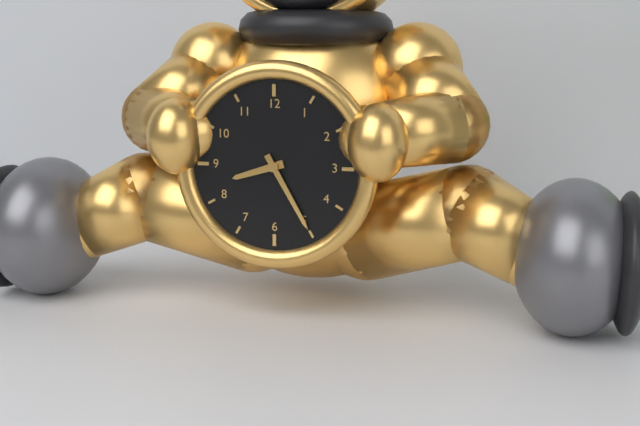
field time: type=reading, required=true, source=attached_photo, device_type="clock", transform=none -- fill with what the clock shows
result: 8:25
